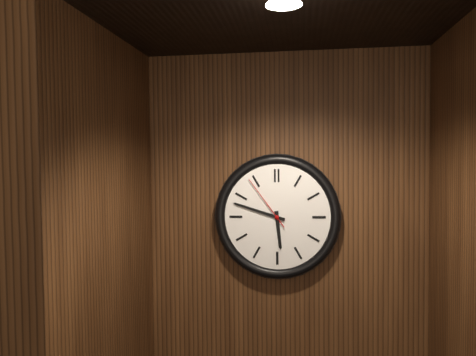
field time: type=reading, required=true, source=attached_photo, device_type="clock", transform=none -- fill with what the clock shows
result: 5:48:54
